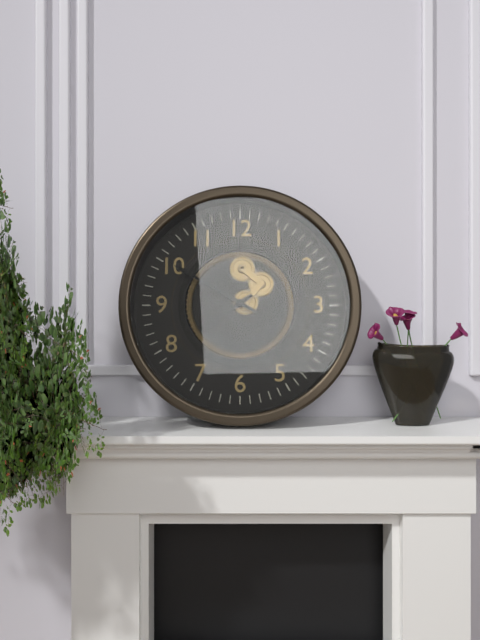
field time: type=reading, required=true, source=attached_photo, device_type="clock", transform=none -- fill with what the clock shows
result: 7:50
